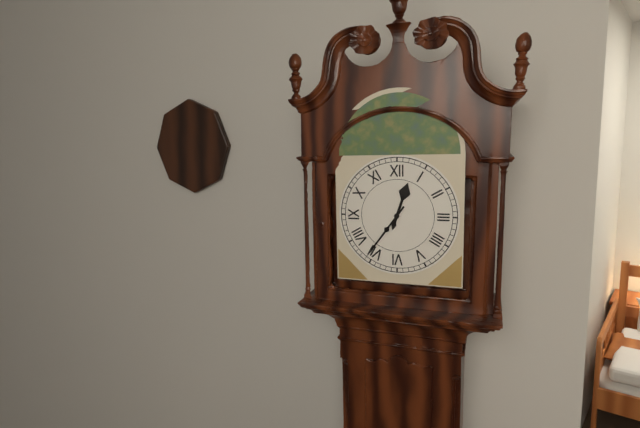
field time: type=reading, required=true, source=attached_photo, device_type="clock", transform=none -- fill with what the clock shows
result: 12:36
